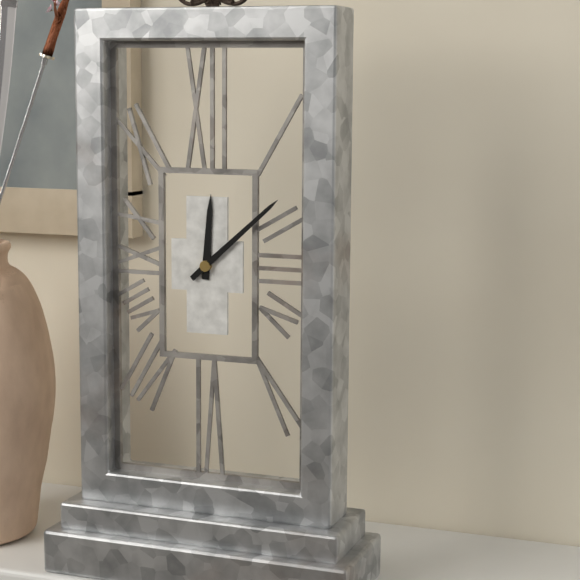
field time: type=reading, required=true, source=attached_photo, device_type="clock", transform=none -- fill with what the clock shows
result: 12:08
